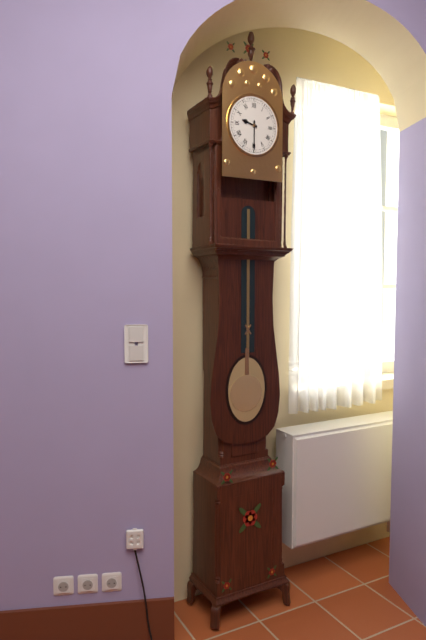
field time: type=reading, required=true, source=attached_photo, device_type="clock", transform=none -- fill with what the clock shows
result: 9:30
